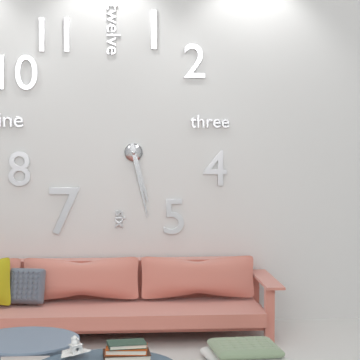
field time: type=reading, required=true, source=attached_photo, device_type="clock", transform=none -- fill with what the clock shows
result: 5:28
